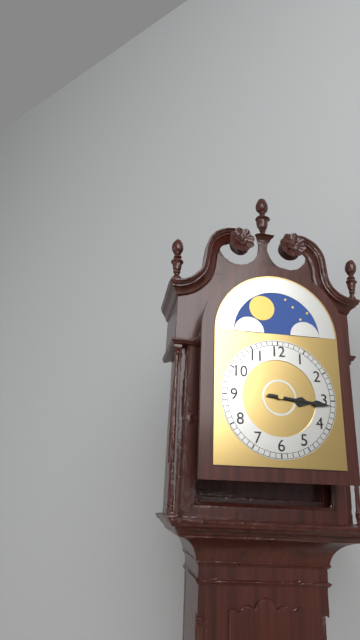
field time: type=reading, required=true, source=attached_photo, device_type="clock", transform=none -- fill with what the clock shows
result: 3:16
